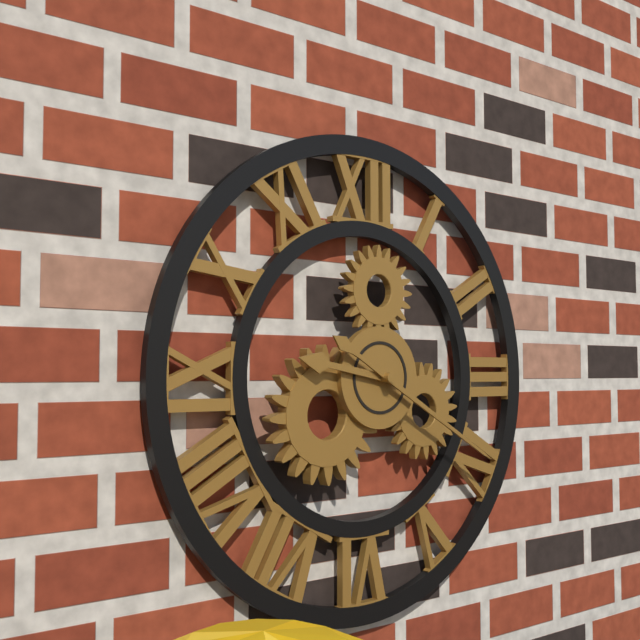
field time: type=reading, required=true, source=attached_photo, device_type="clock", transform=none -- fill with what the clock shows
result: 9:20
